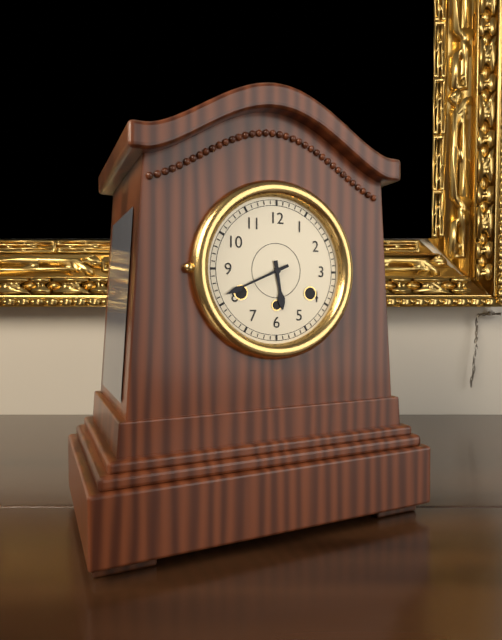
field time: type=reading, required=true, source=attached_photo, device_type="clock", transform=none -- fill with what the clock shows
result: 5:41
